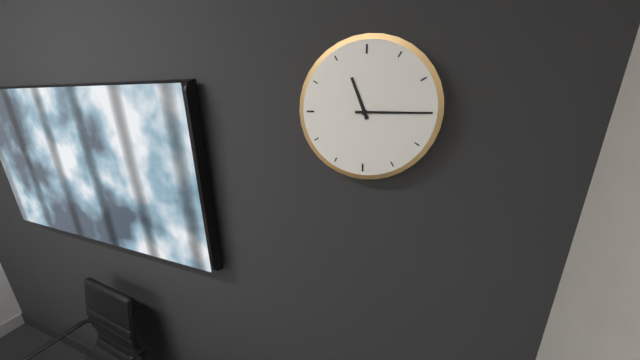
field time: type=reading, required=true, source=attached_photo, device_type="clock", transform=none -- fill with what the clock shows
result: 11:15
